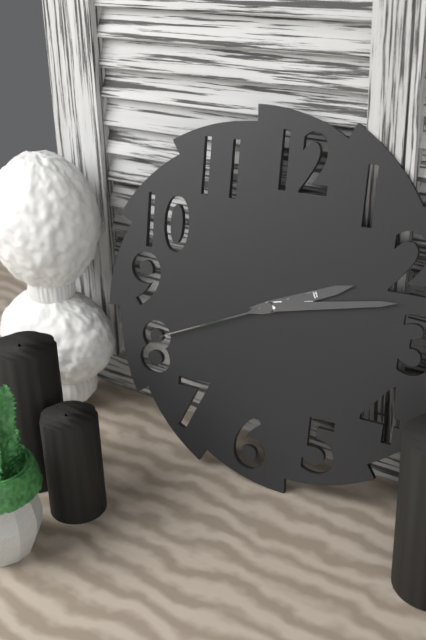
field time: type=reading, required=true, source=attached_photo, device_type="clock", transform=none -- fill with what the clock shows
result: 2:13:41
